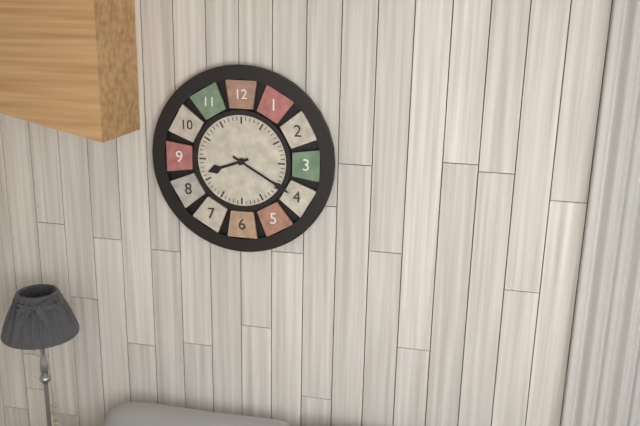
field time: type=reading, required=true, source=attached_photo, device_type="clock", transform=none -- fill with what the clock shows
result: 8:20
